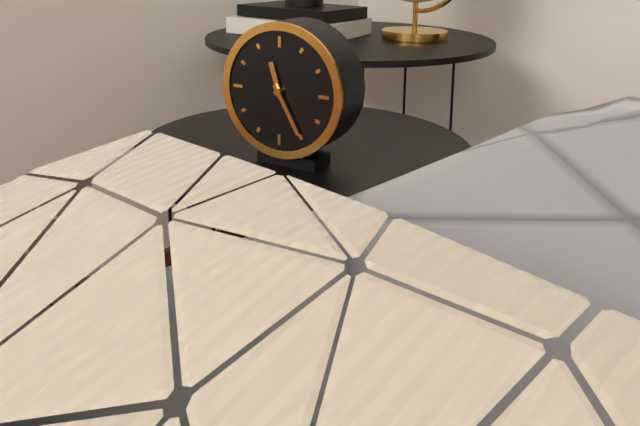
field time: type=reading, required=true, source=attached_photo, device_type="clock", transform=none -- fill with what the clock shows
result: 11:25
